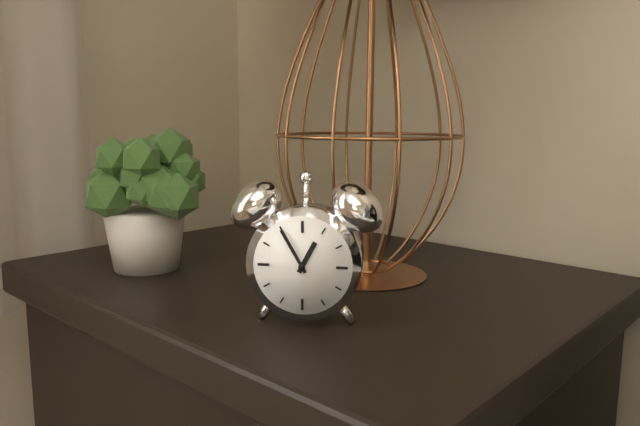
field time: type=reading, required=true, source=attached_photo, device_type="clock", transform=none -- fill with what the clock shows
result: 12:55
